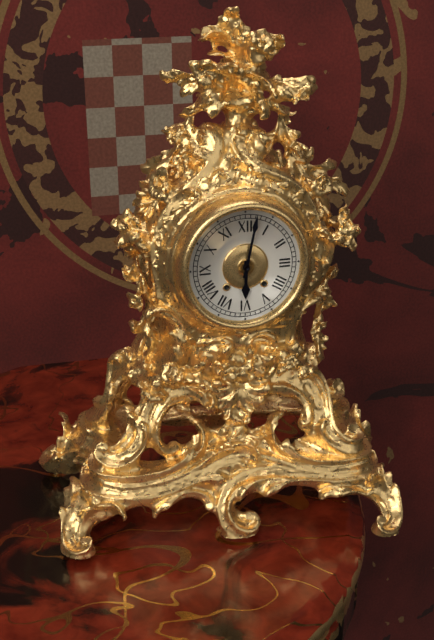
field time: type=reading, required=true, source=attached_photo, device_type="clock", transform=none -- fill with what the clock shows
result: 6:02
